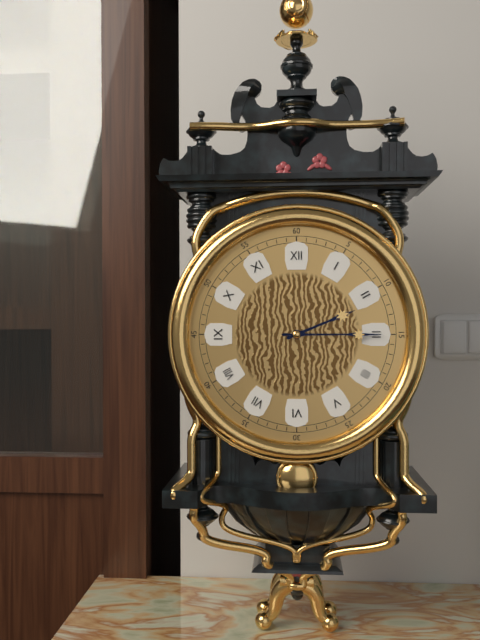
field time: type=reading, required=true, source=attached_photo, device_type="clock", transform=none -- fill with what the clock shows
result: 2:15
